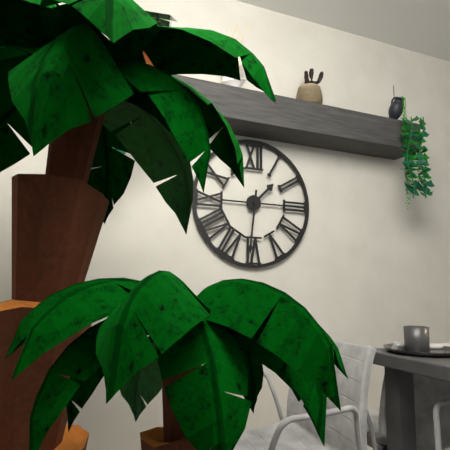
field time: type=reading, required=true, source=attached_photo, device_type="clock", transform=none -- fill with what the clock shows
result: 1:31
